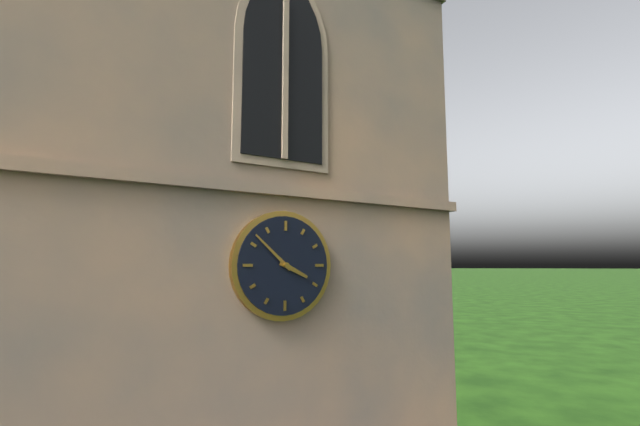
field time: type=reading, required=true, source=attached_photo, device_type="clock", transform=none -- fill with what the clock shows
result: 3:52
